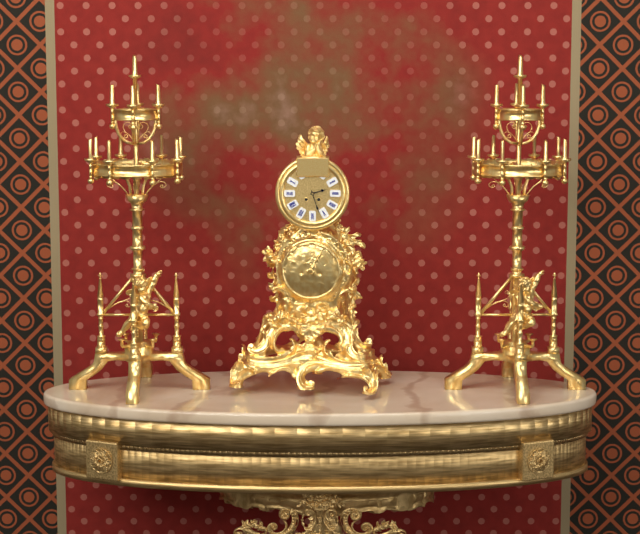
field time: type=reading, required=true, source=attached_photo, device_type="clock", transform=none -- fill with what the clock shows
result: 2:27
